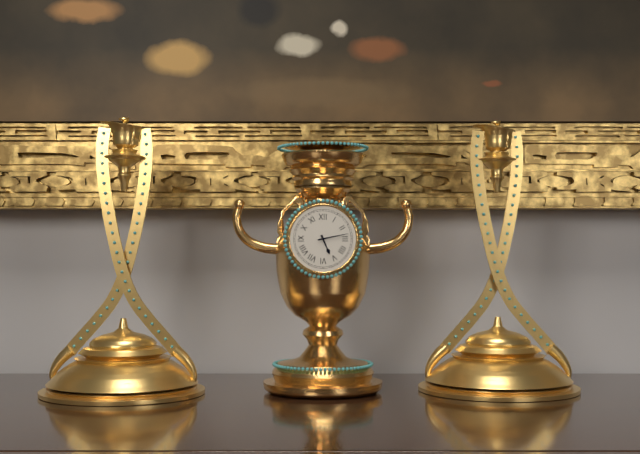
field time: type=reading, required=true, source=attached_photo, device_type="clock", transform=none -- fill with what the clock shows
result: 5:13
